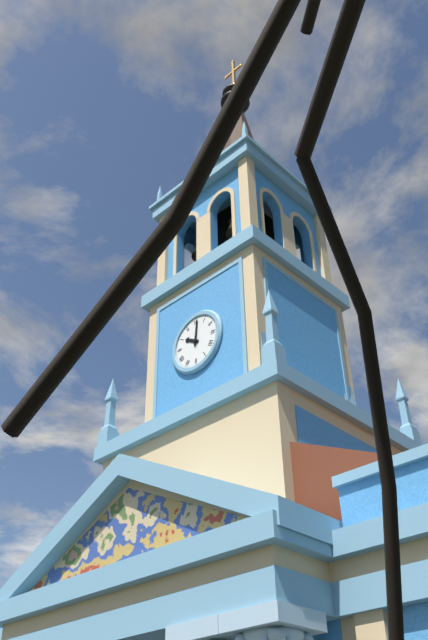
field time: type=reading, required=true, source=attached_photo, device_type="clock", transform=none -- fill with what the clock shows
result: 10:01
